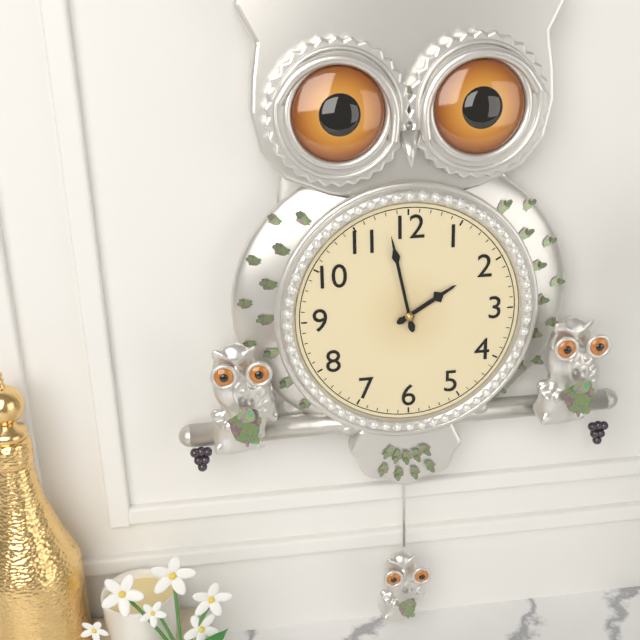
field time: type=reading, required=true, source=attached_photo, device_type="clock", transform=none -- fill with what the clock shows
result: 1:58
